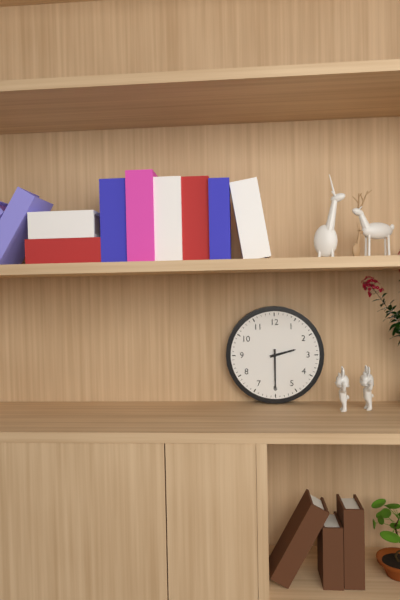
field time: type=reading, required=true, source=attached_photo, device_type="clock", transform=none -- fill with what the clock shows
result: 2:30
